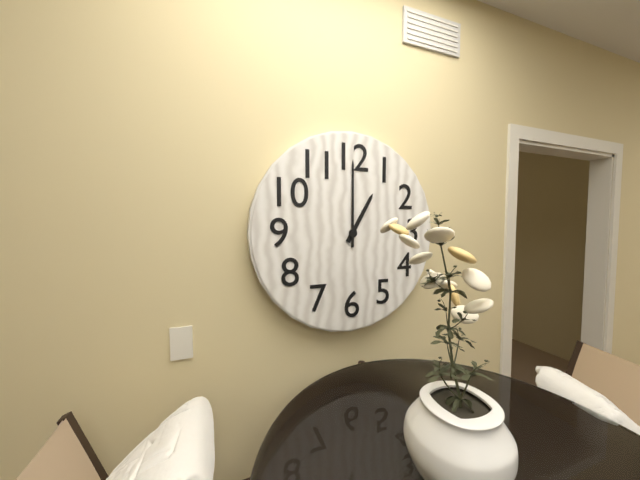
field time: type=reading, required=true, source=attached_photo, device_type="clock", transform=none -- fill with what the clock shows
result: 1:00
